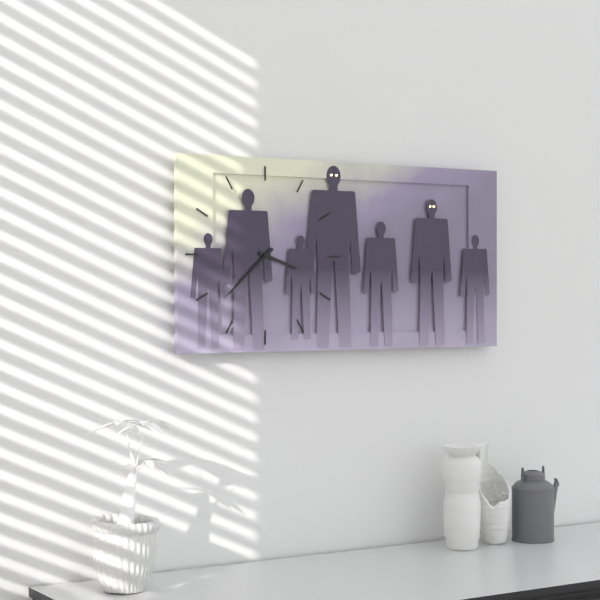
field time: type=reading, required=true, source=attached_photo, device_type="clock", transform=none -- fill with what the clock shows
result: 3:38
